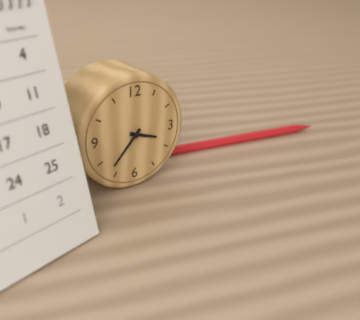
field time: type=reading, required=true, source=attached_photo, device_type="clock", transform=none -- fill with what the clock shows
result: 3:37
